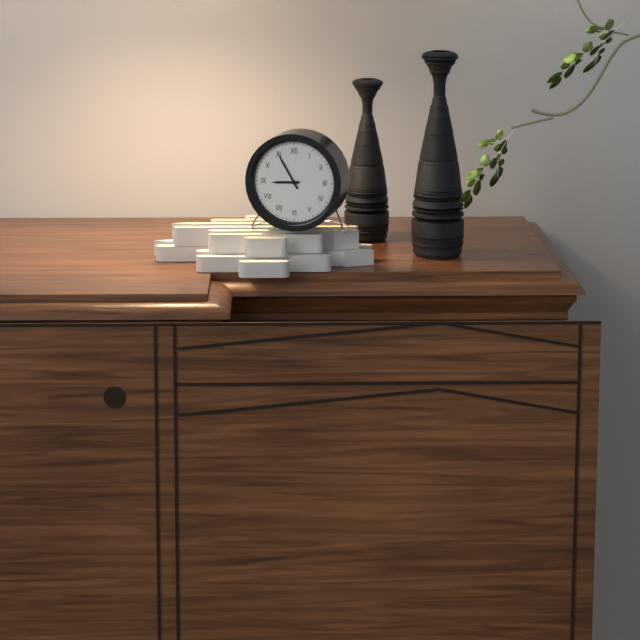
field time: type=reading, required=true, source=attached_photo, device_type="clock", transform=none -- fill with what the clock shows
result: 8:55
